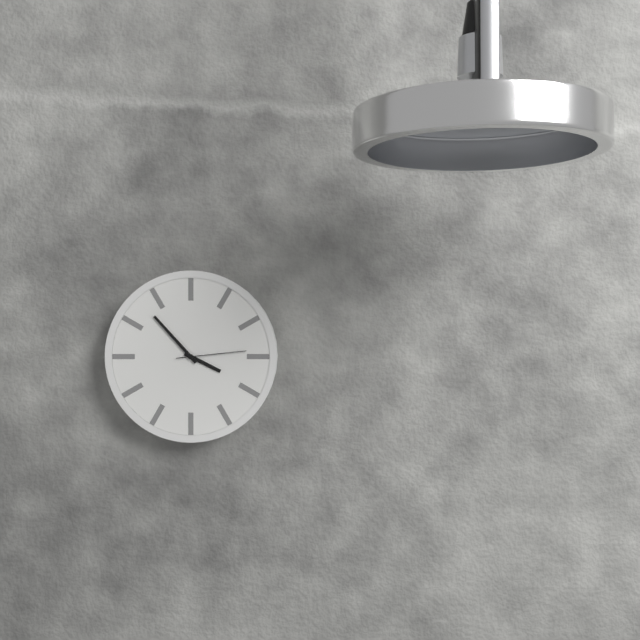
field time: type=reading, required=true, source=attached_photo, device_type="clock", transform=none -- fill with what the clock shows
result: 3:53:14
